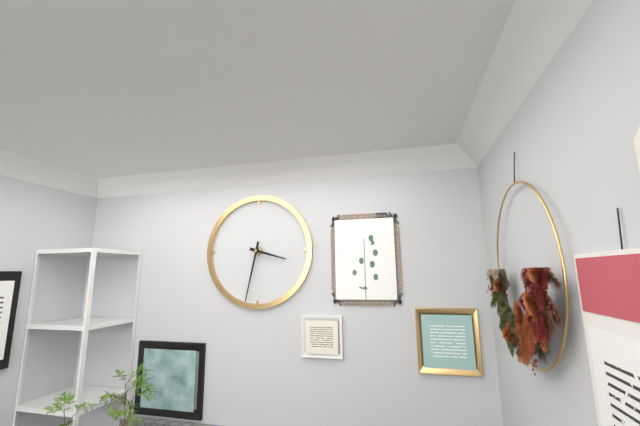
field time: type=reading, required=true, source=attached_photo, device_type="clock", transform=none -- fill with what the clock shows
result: 3:32
